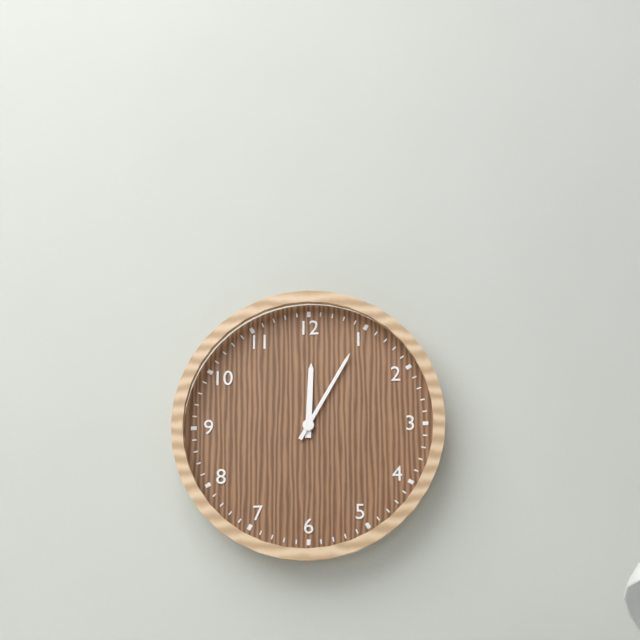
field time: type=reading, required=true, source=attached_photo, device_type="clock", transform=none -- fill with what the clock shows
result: 12:05
